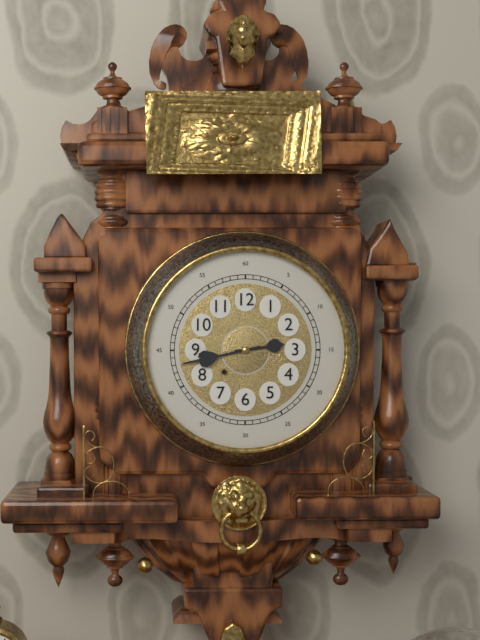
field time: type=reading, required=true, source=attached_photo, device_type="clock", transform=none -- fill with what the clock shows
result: 2:43
